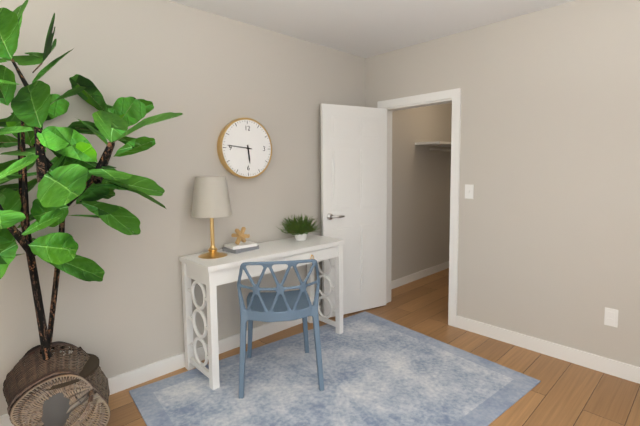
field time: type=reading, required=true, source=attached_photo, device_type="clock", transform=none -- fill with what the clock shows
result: 5:46
